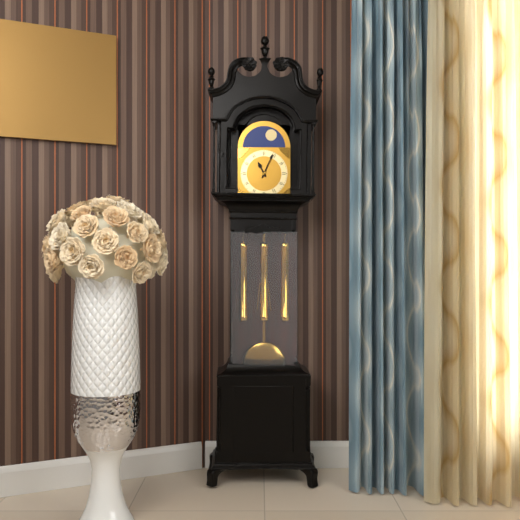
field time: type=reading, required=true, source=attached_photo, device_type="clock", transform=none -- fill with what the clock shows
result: 11:04
